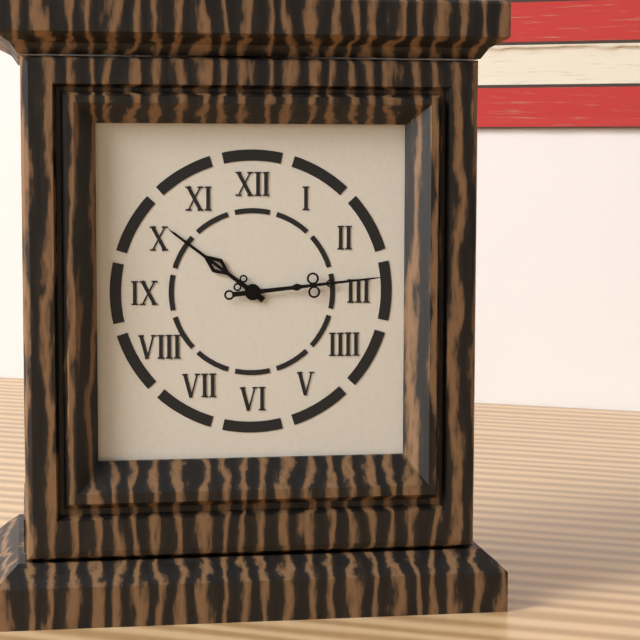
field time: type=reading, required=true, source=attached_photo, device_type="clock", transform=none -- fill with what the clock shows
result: 10:14
